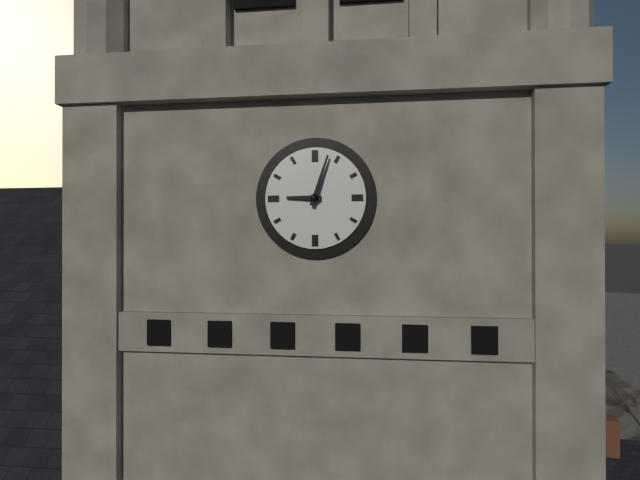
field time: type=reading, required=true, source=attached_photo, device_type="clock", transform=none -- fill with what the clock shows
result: 9:03
